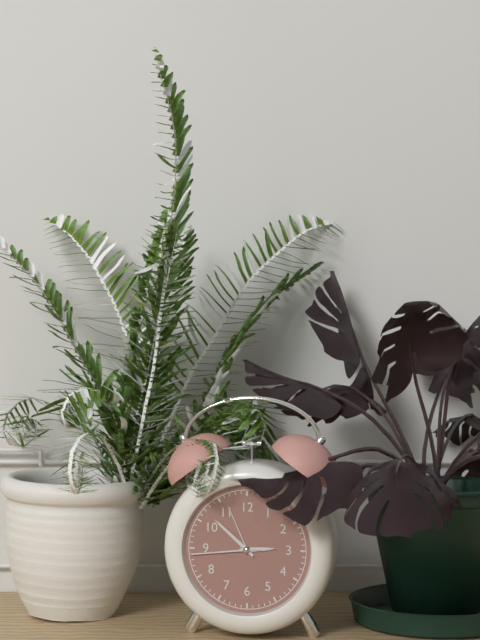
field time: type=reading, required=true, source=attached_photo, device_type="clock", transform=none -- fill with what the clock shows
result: 2:52:44
